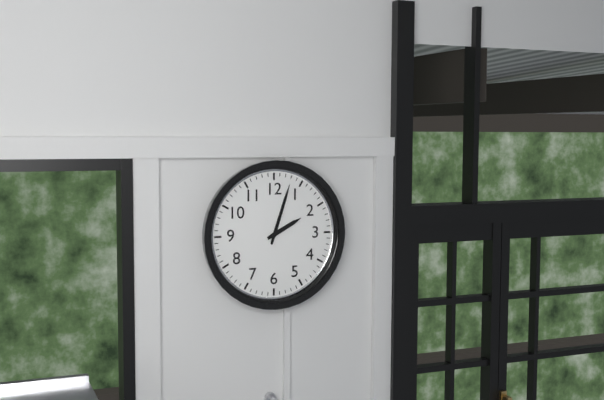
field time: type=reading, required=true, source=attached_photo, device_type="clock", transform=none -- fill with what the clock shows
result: 2:03
